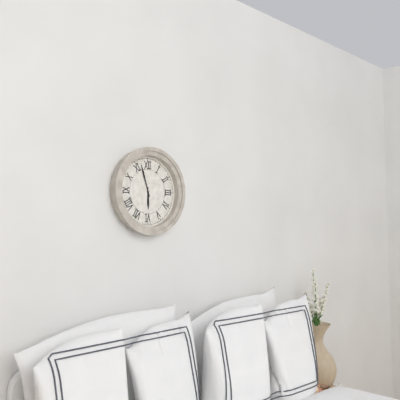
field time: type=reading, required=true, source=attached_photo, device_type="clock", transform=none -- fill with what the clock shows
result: 5:57
